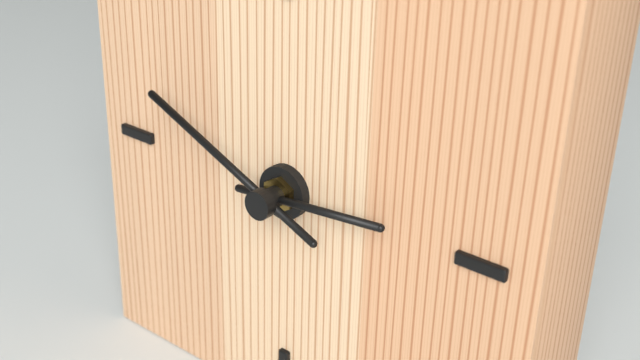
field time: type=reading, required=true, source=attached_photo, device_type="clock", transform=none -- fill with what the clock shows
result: 2:49
